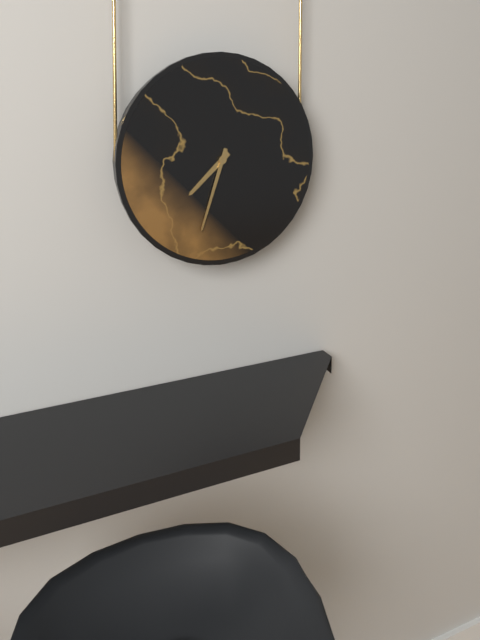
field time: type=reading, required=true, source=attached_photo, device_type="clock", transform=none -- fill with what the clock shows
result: 7:33
